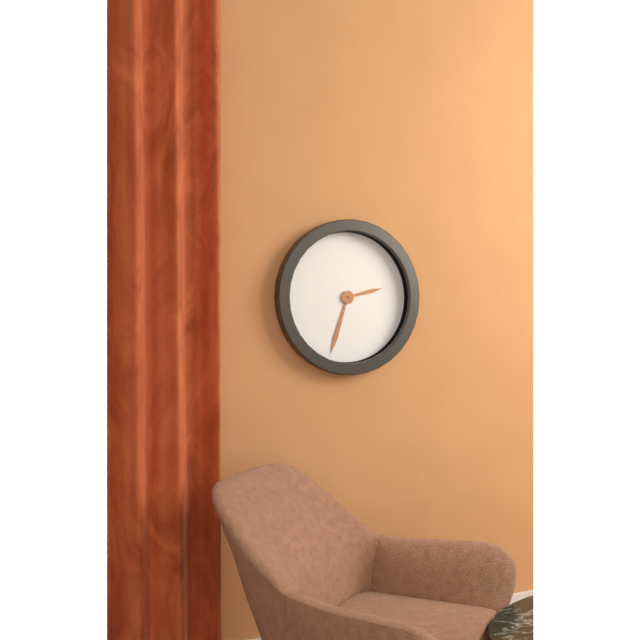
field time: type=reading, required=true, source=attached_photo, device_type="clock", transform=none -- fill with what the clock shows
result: 2:33
